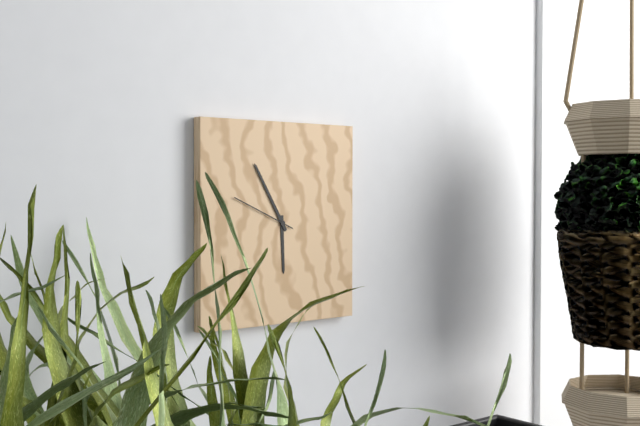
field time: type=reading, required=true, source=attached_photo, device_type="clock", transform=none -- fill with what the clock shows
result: 5:55:49
